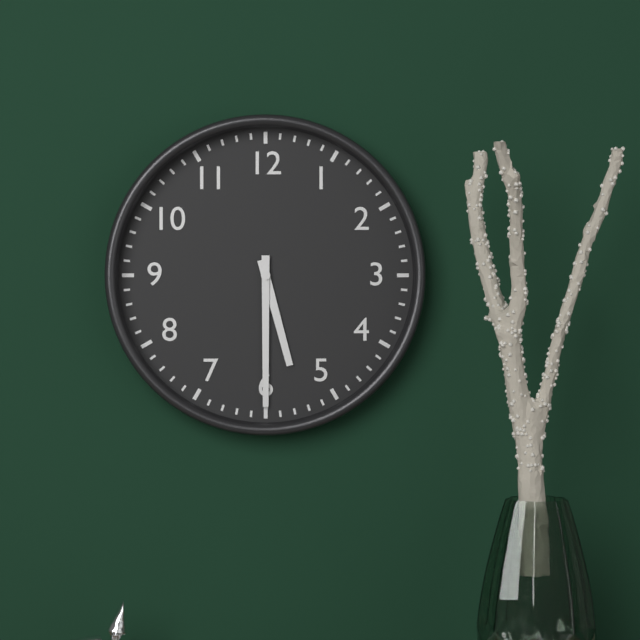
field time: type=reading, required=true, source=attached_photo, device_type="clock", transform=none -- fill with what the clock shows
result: 5:30
